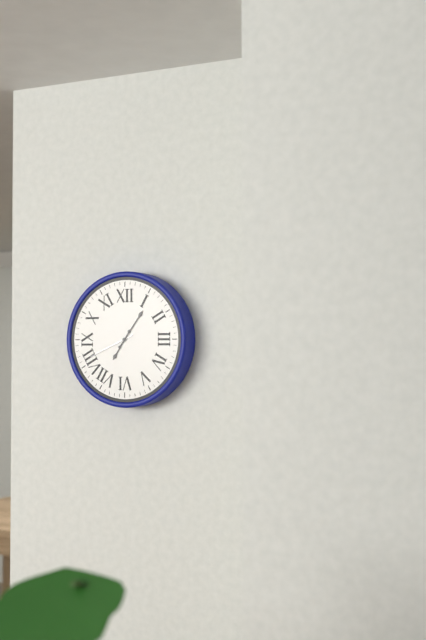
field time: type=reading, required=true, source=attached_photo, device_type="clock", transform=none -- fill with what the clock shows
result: 7:06
